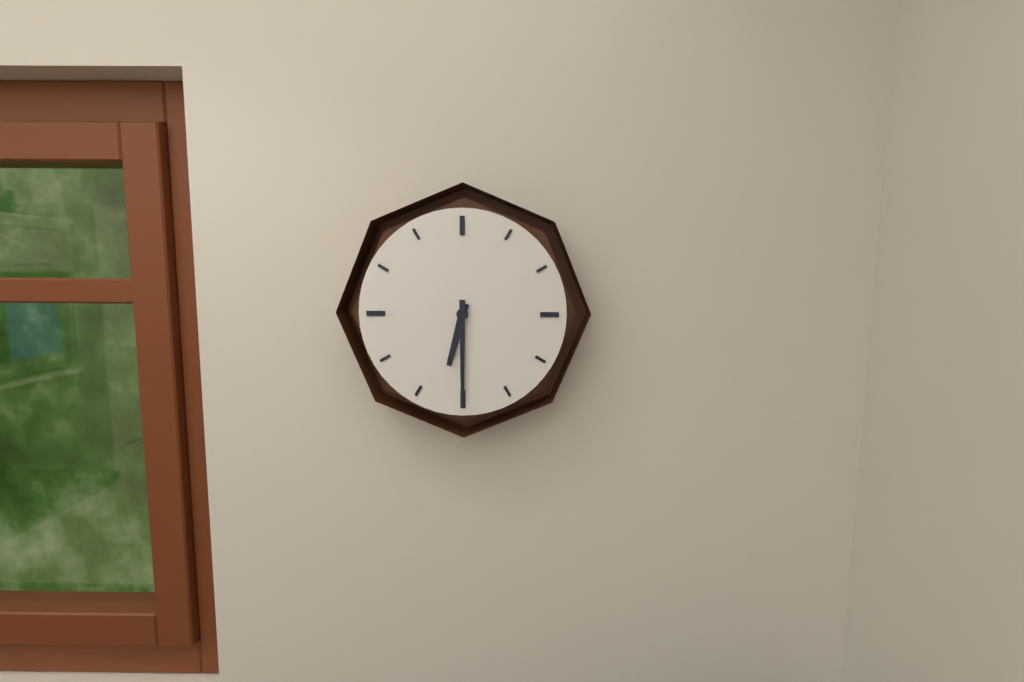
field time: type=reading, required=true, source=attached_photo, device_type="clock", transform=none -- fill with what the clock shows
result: 6:30
